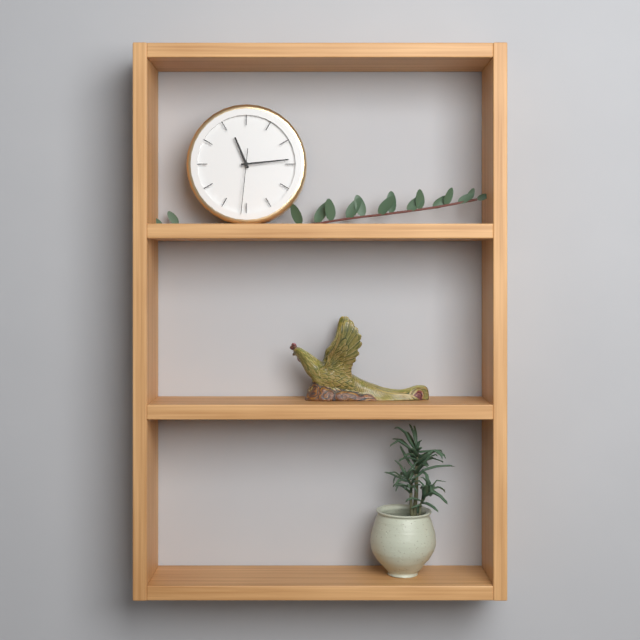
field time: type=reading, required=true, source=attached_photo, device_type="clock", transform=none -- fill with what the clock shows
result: 11:14:31
